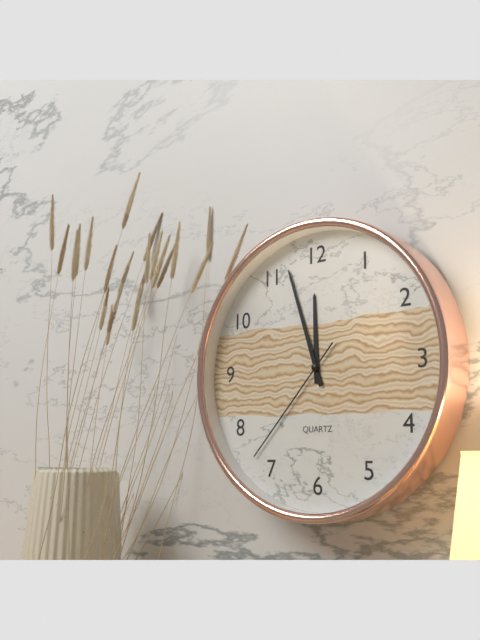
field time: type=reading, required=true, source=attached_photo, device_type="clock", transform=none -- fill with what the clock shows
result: 11:57:37
